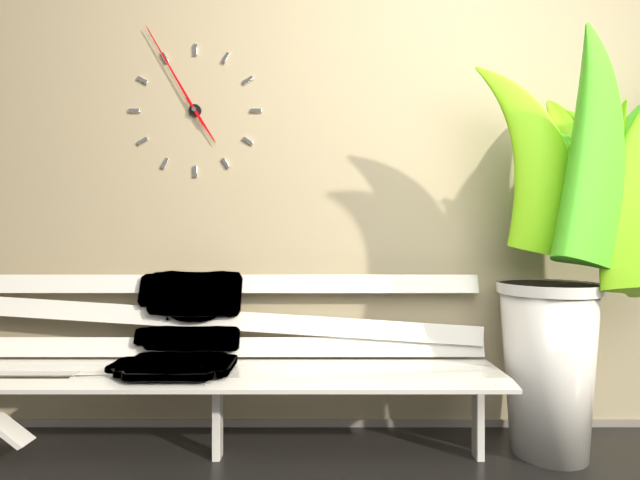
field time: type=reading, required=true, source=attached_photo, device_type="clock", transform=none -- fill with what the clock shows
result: 4:55
